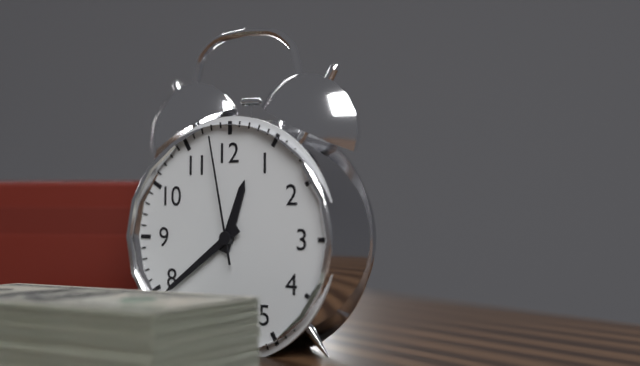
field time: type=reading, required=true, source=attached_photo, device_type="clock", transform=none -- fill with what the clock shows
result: 12:39:58
